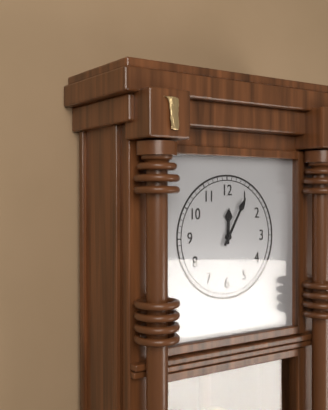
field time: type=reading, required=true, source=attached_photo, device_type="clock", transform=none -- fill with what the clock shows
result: 12:05
